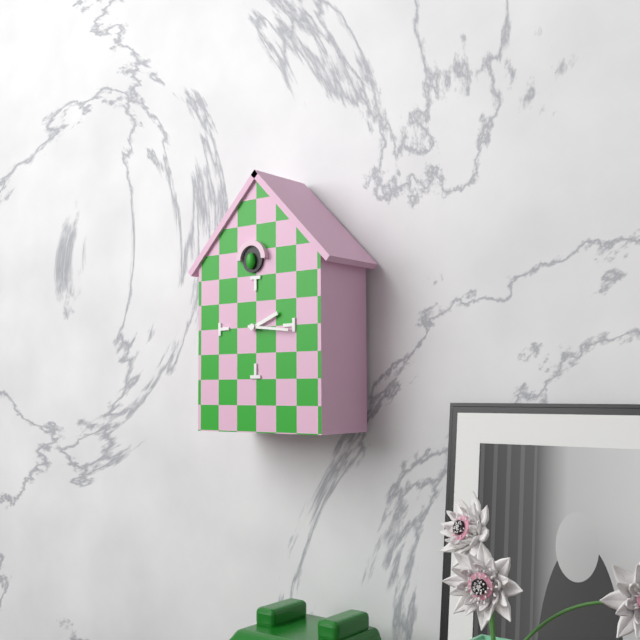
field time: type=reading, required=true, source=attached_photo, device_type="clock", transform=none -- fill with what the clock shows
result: 2:16
